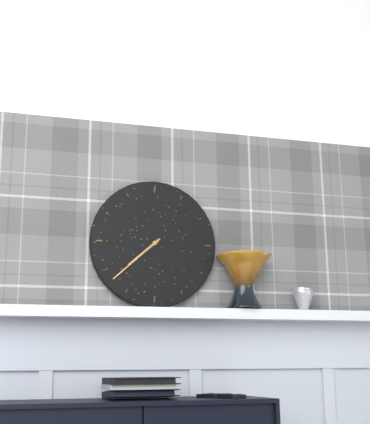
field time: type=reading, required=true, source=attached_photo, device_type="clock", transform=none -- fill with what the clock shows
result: 7:38
